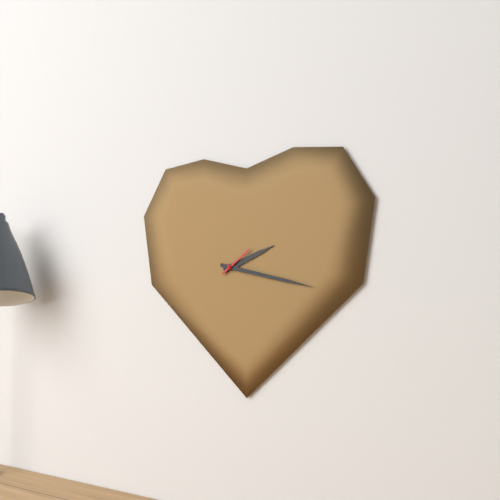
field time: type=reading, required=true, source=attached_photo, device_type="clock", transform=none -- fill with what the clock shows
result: 2:17
